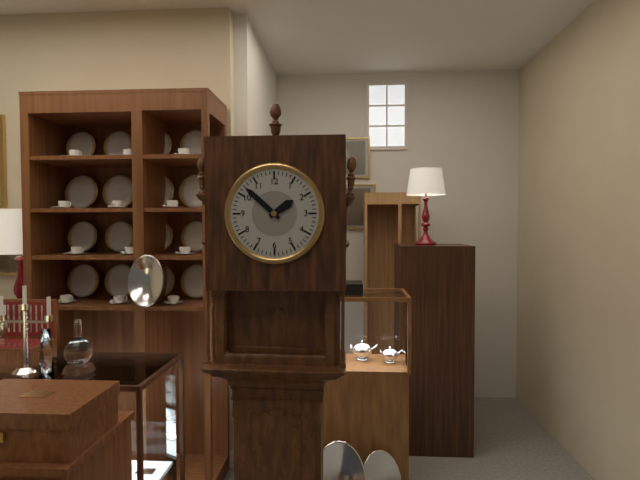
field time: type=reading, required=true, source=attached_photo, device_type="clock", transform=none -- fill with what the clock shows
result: 1:52
